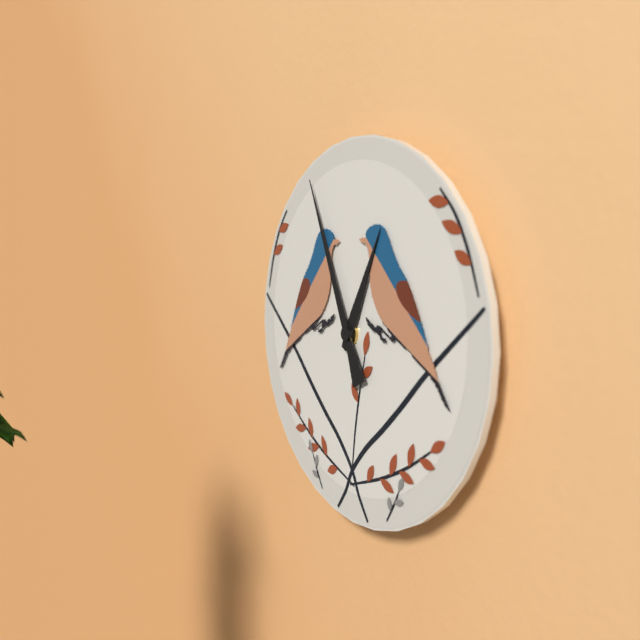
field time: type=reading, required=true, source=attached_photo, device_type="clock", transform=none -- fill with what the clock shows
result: 12:56
